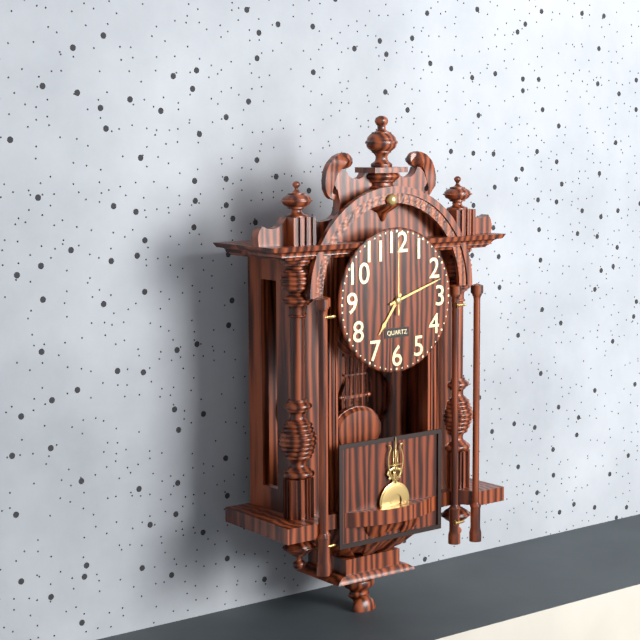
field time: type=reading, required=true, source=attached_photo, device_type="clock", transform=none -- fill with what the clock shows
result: 7:12:00
